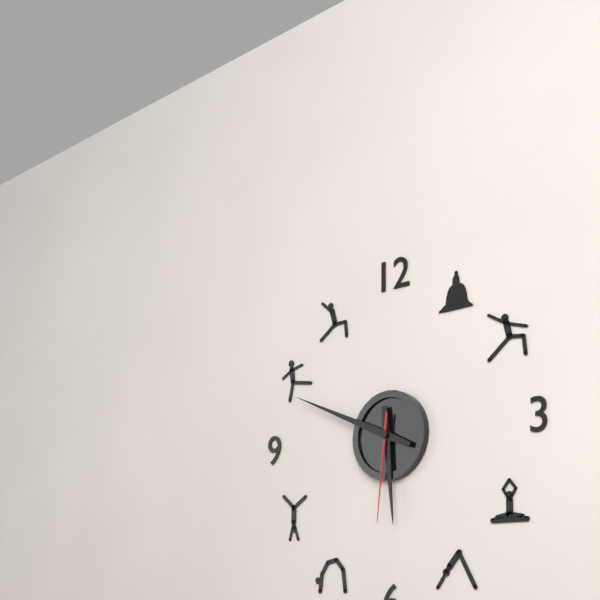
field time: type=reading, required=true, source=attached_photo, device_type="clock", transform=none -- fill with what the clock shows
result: 5:49:31
